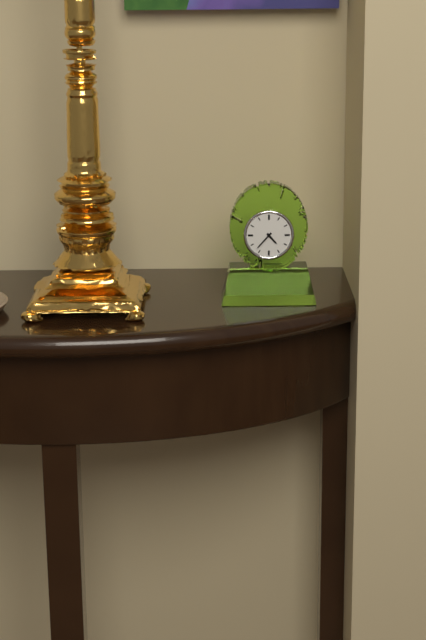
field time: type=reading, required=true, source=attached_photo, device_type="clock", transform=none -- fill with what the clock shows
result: 4:37
